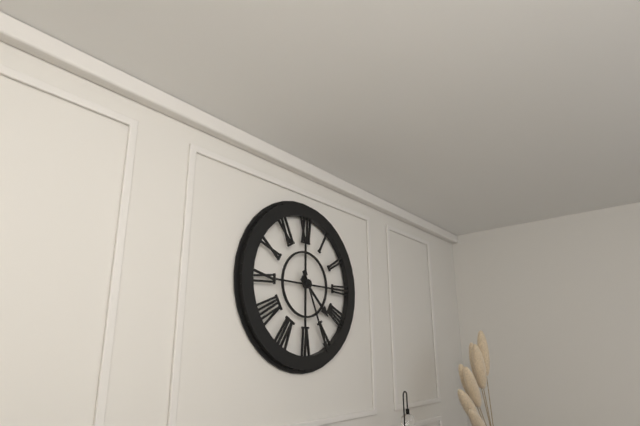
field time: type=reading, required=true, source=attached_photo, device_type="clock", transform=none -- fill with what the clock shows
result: 4:26
